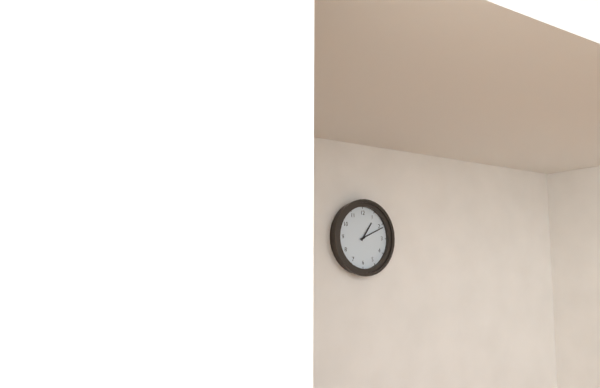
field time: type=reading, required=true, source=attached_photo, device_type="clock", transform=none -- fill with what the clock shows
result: 1:11
